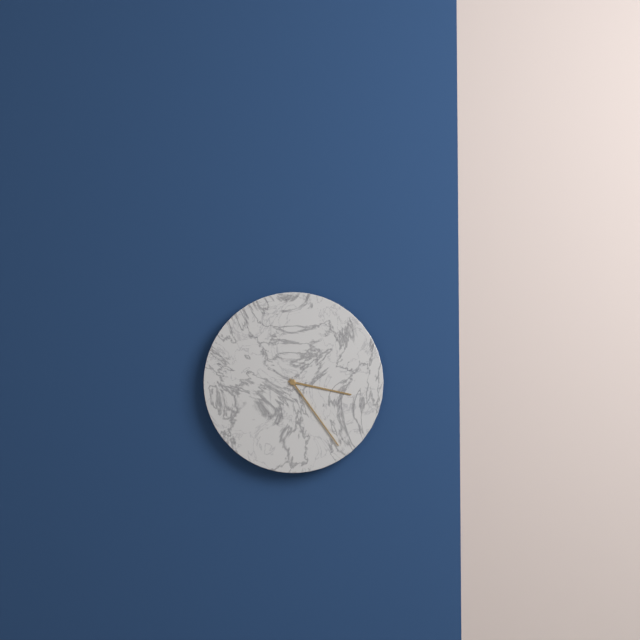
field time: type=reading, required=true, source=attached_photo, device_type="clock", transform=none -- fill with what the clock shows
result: 3:24
